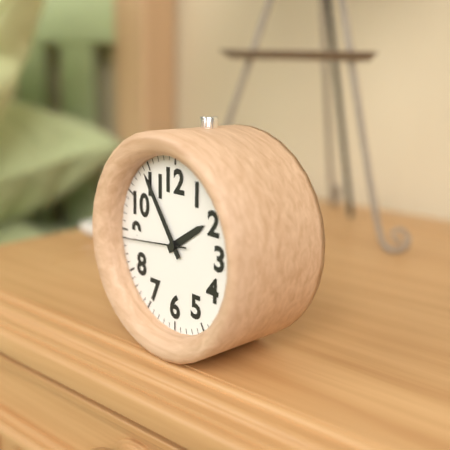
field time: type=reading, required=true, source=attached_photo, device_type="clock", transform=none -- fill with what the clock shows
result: 1:54:44
